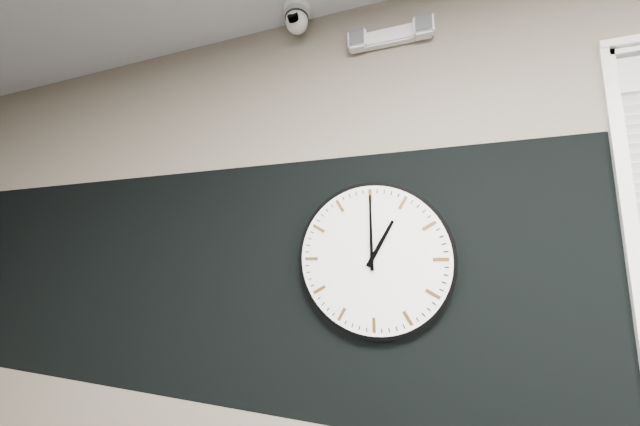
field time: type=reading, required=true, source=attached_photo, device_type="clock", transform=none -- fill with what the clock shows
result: 1:00
